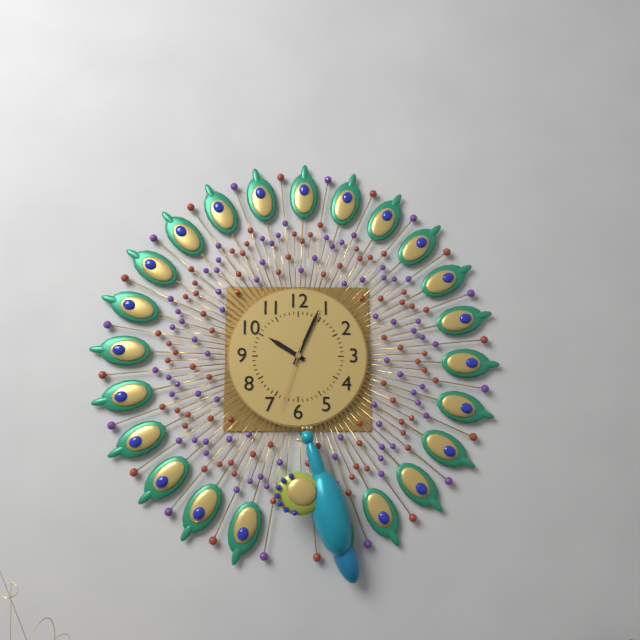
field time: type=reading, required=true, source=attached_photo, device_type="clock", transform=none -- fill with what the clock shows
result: 10:04:33
